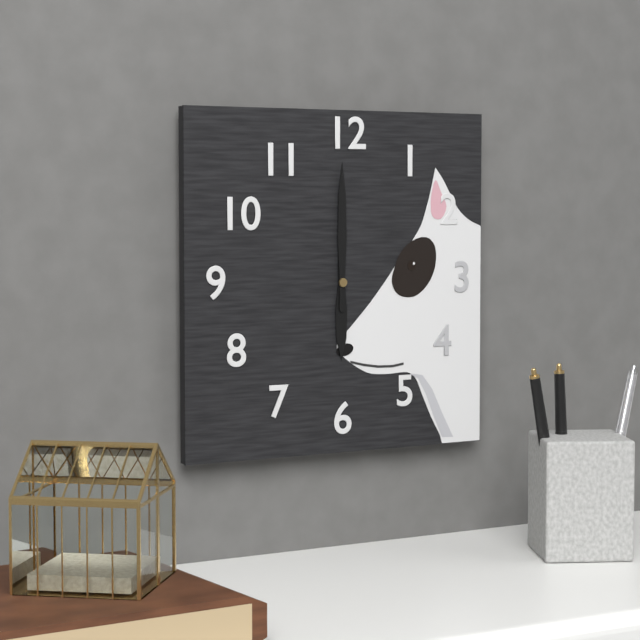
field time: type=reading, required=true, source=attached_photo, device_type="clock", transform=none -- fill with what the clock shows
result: 6:00
